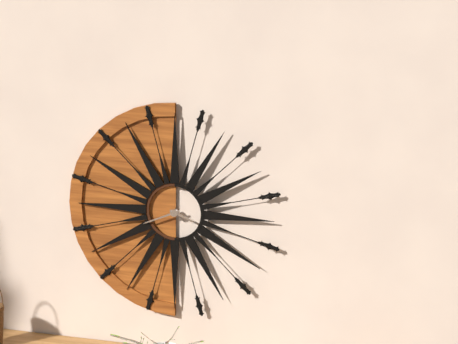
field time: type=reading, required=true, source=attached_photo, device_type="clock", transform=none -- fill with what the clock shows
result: 3:41
